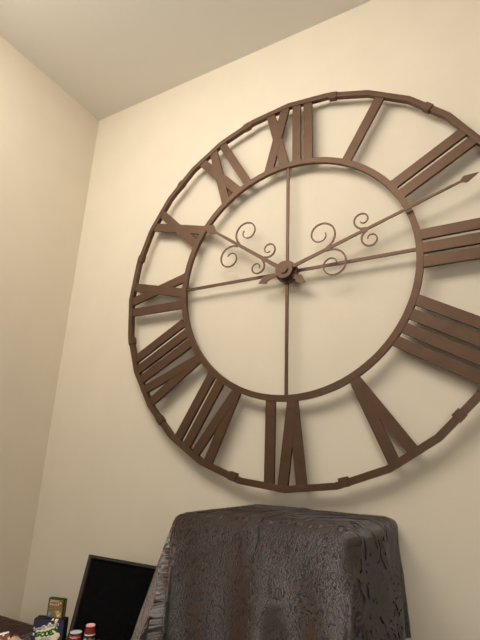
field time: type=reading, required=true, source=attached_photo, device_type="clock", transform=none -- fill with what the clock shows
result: 10:12
